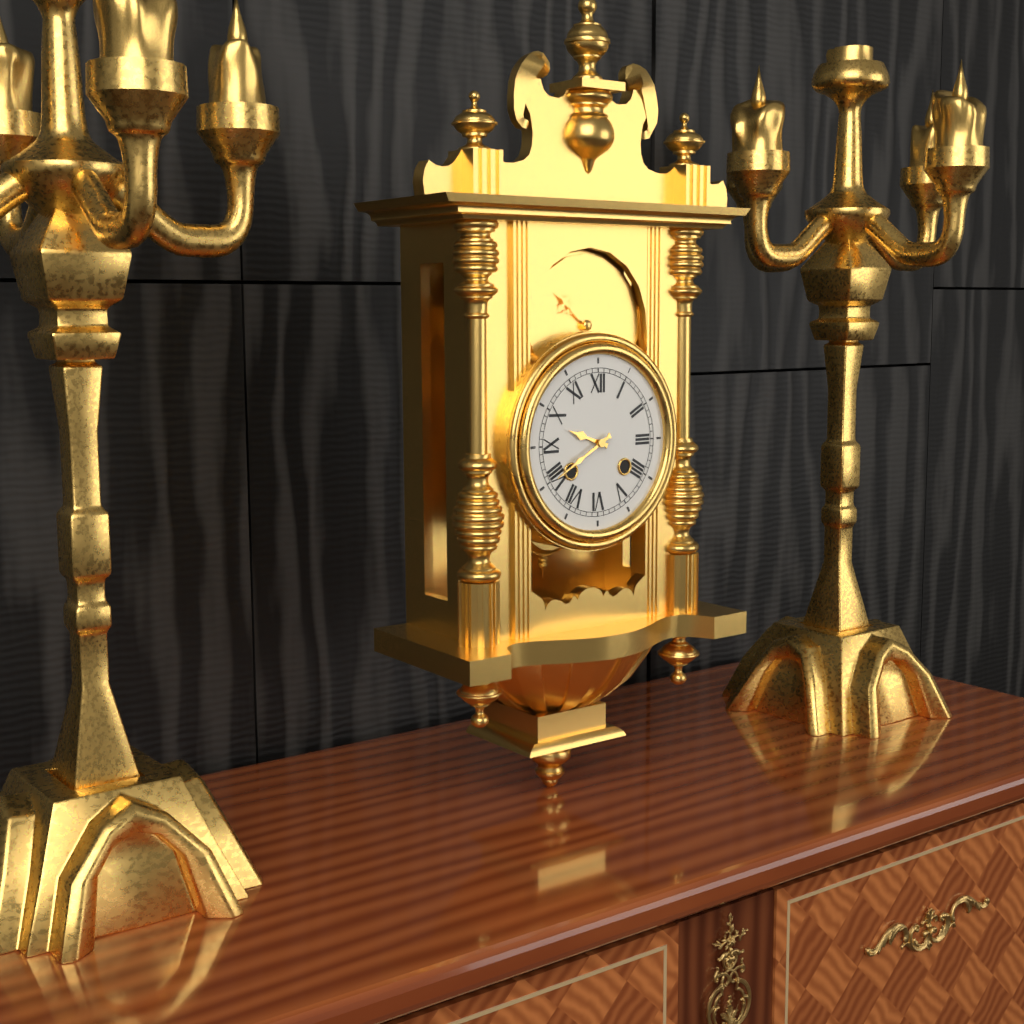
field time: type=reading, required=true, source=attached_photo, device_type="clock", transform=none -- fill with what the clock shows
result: 9:40
